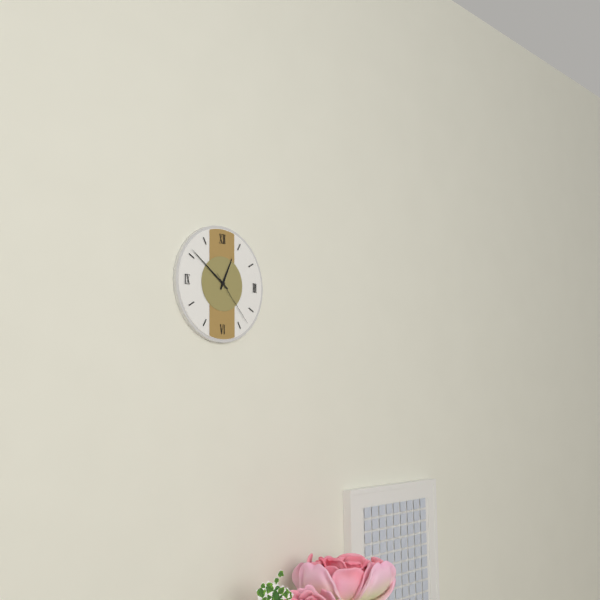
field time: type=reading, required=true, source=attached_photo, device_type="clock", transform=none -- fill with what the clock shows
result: 12:51:23
